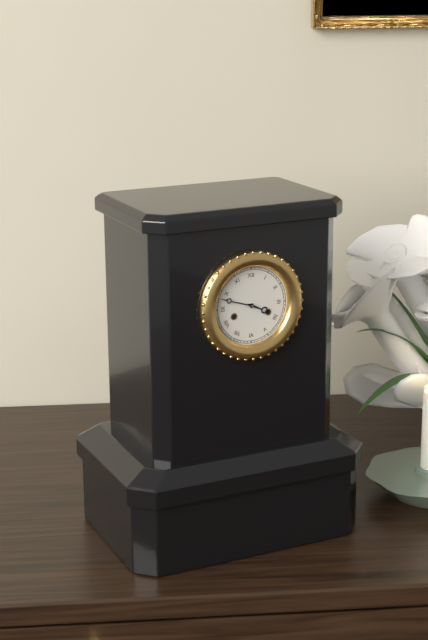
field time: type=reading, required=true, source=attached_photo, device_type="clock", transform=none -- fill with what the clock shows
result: 3:48
